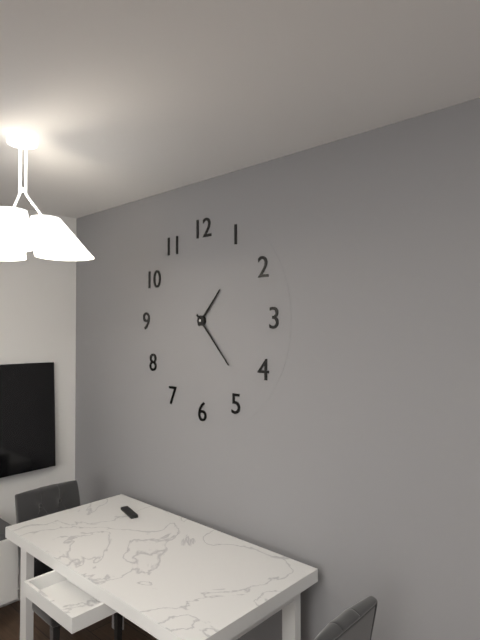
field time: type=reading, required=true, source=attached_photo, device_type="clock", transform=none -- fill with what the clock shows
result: 1:23
